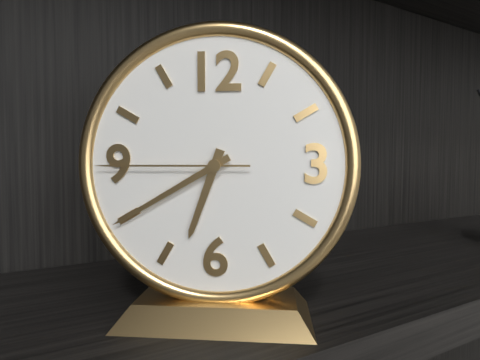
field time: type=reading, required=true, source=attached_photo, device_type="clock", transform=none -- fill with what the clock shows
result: 6:40:45
